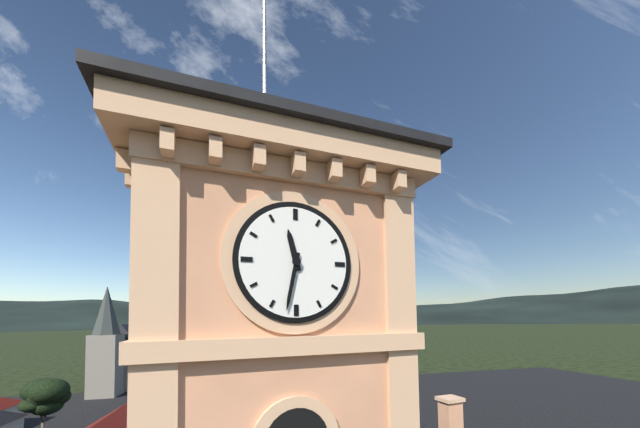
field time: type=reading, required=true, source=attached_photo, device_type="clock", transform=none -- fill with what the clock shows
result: 11:32
